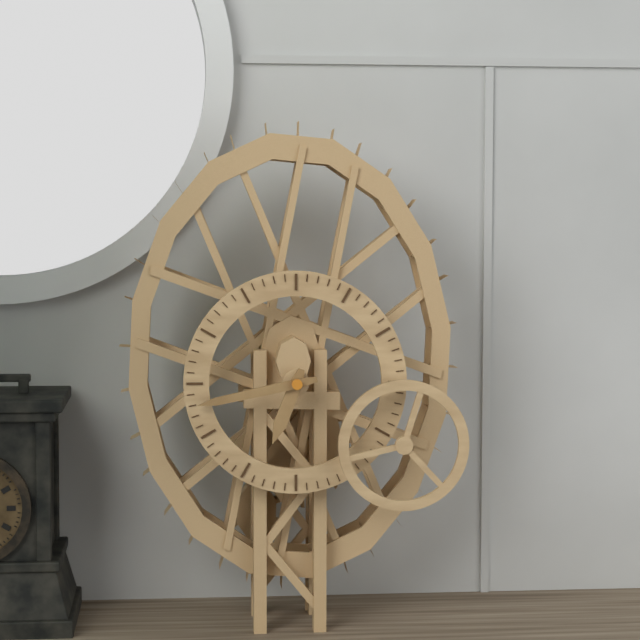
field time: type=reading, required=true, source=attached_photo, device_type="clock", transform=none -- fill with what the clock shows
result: 6:43
